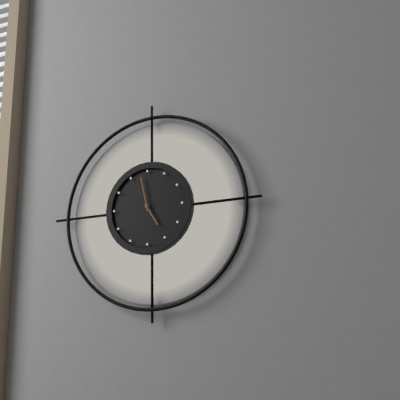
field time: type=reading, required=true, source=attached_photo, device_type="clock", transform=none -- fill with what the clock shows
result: 4:58
